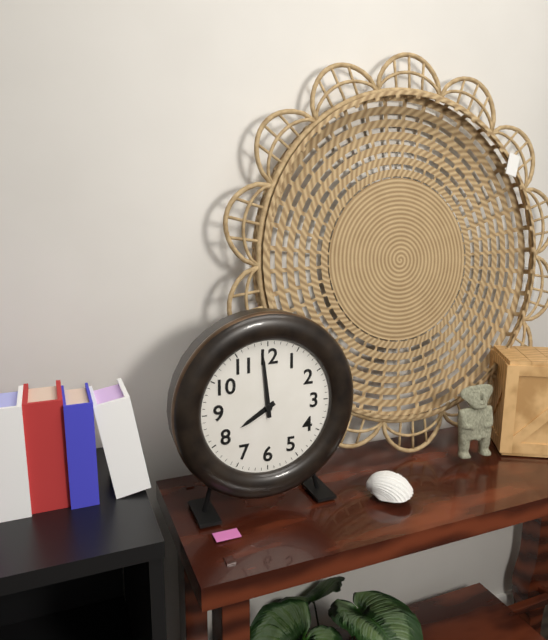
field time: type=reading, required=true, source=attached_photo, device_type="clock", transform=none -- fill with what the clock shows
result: 7:59
